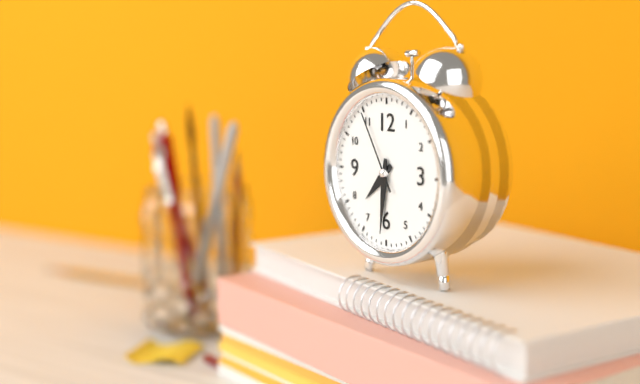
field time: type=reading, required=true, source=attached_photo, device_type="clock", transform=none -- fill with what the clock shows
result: 7:31:55
